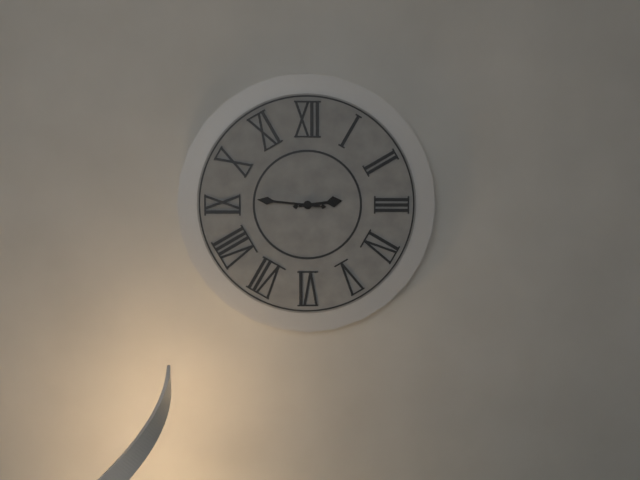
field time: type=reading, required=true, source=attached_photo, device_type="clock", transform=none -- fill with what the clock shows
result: 2:46
